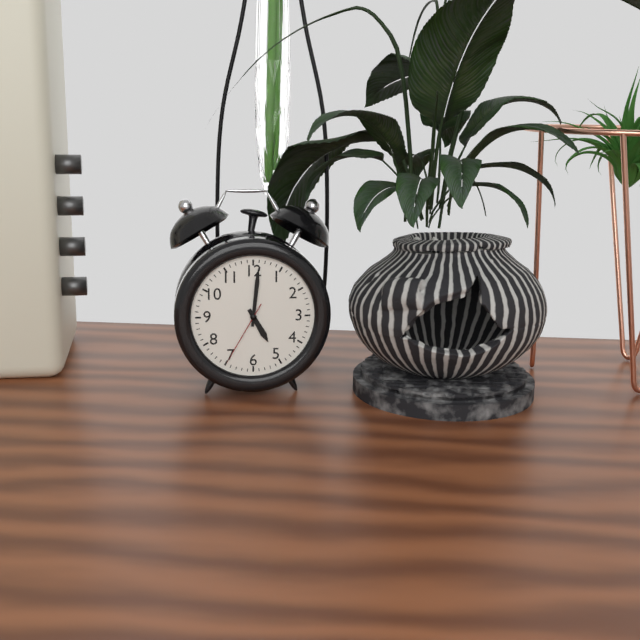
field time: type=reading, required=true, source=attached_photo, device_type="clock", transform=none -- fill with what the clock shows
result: 5:01:35
